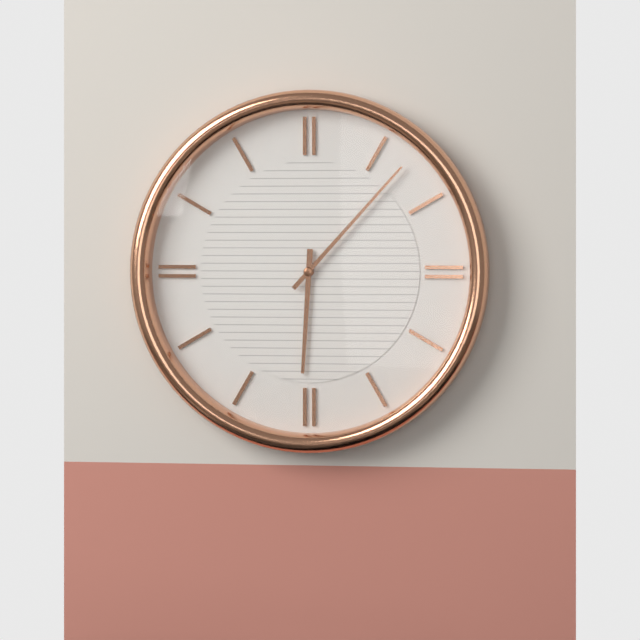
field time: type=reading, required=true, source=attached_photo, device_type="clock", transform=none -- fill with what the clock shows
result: 6:07
